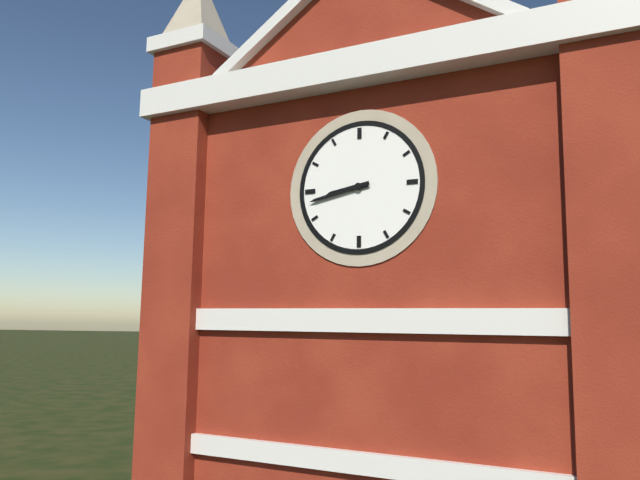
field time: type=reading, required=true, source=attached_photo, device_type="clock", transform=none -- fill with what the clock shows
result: 8:43
